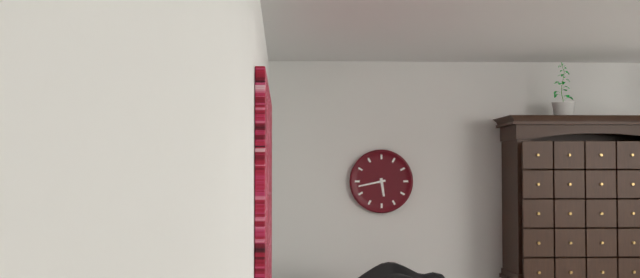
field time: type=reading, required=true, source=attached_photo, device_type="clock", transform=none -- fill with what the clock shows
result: 5:43
